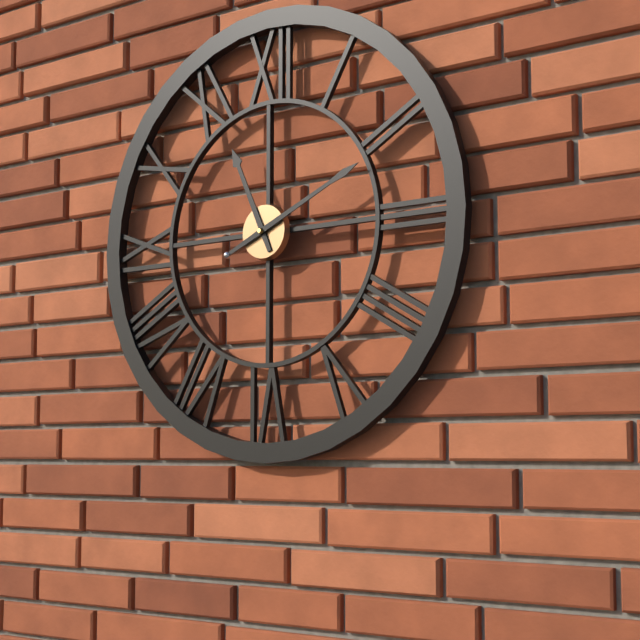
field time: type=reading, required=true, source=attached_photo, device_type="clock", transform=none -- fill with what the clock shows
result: 11:11
